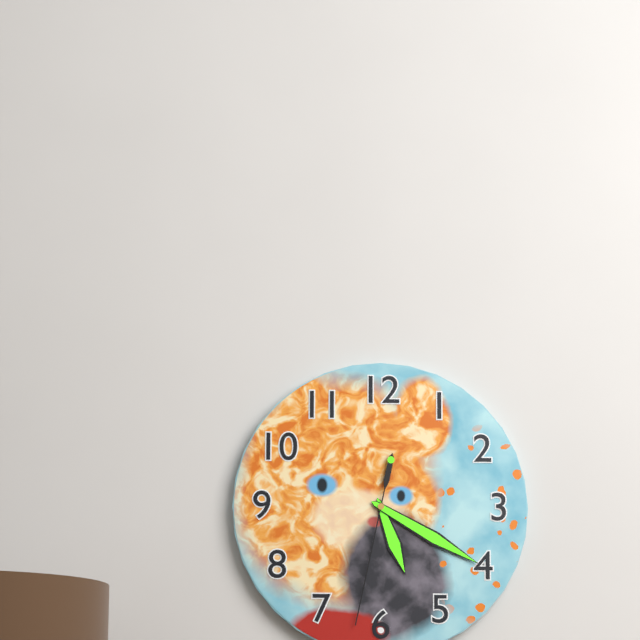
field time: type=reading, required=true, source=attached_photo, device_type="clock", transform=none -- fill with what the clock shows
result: 5:20:32
